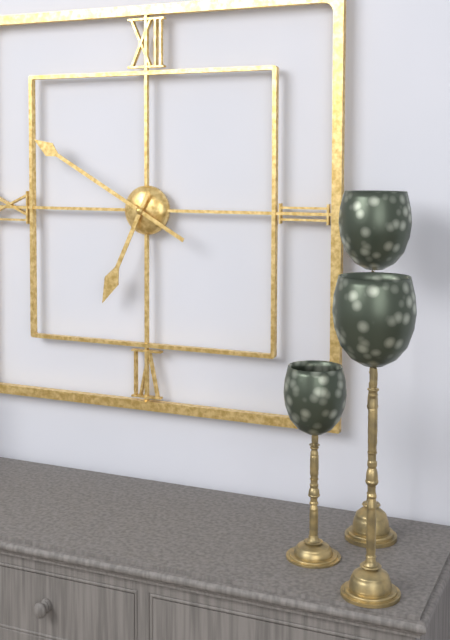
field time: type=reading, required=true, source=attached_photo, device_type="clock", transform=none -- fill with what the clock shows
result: 6:50
